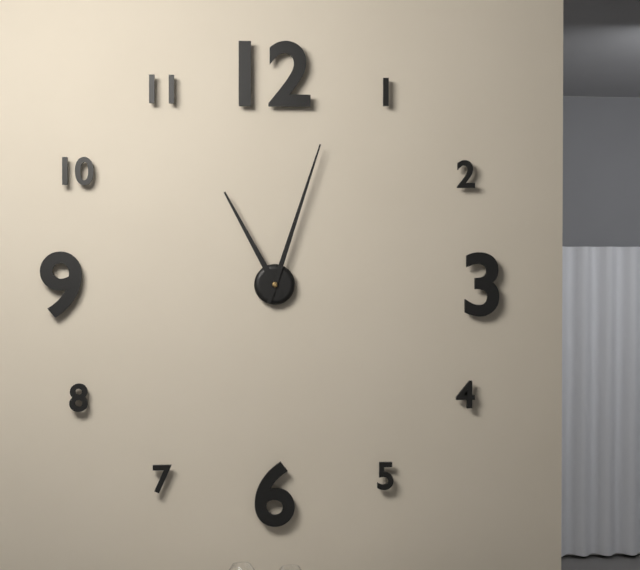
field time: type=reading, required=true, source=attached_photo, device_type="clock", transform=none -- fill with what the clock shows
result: 11:03
